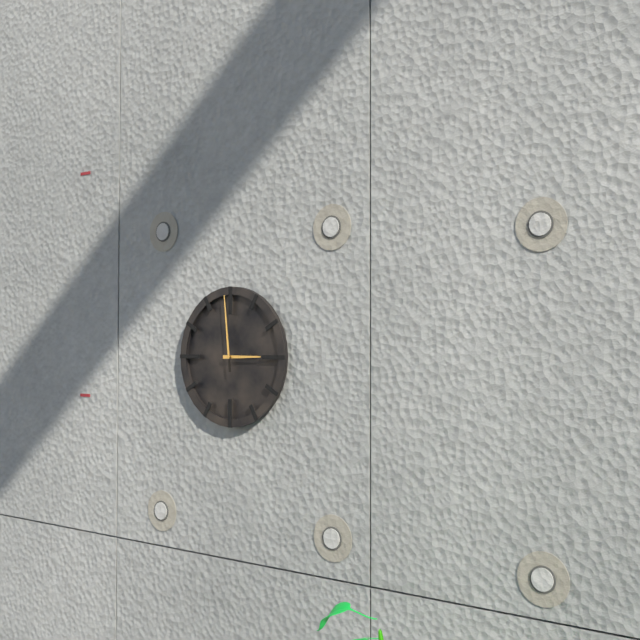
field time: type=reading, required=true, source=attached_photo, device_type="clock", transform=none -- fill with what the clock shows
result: 2:59
